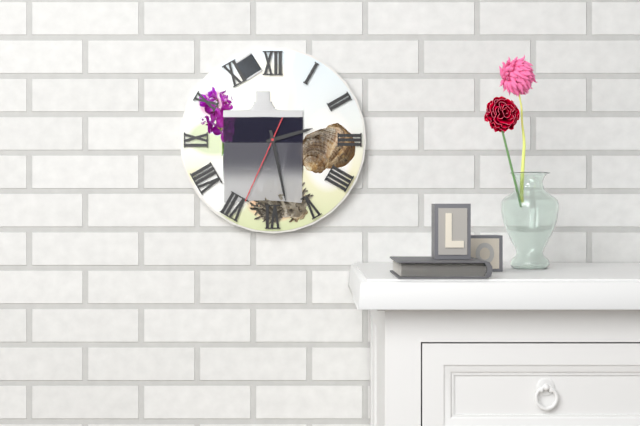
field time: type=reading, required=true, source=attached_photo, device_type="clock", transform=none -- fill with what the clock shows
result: 2:28:34
